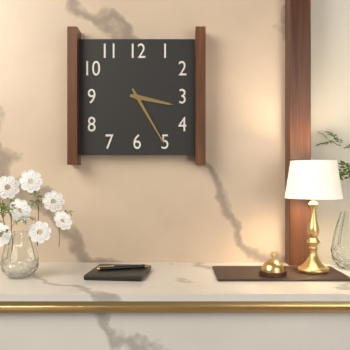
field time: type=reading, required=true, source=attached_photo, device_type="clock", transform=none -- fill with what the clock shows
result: 3:25
